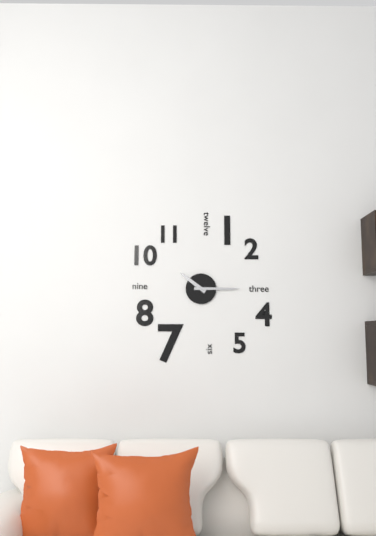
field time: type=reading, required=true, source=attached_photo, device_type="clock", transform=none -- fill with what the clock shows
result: 10:15
